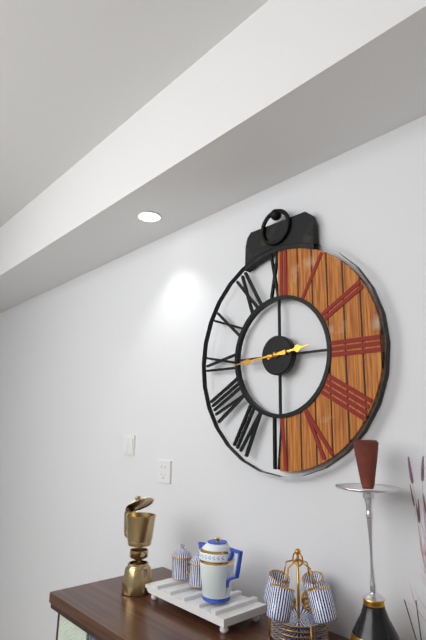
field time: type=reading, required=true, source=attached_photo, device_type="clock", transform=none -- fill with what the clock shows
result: 2:44
